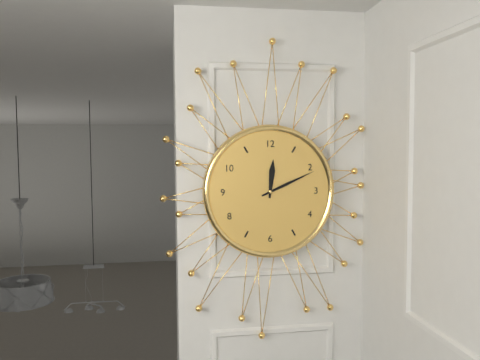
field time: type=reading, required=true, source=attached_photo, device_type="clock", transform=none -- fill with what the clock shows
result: 12:11
